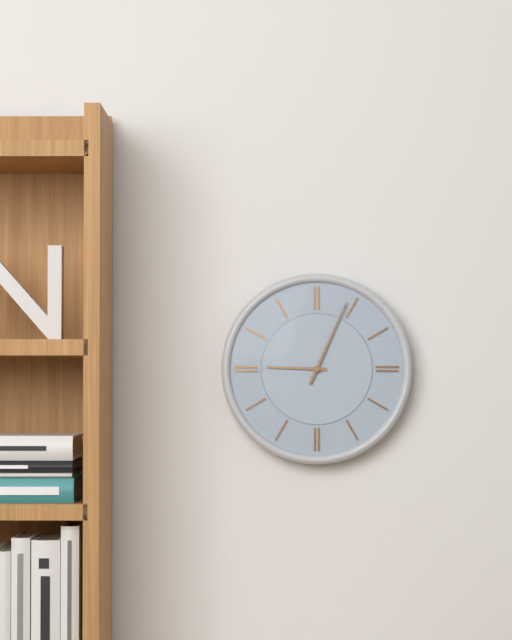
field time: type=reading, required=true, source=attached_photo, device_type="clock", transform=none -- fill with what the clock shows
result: 9:04
